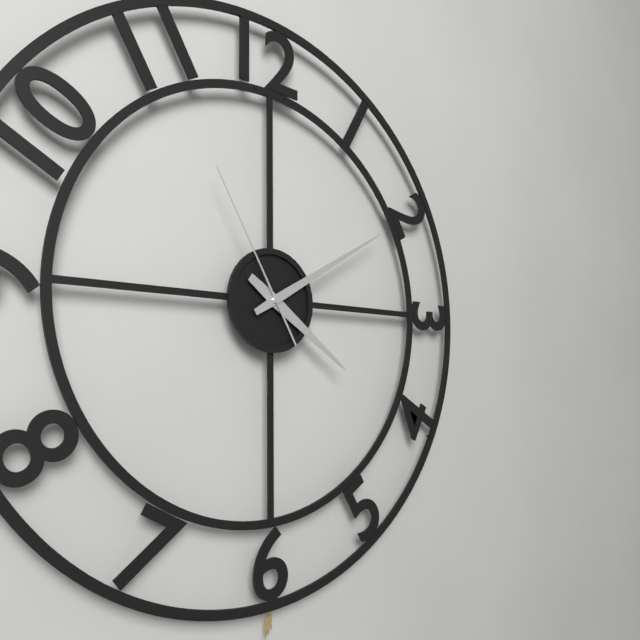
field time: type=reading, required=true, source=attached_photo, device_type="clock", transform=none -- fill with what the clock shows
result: 4:10:55
